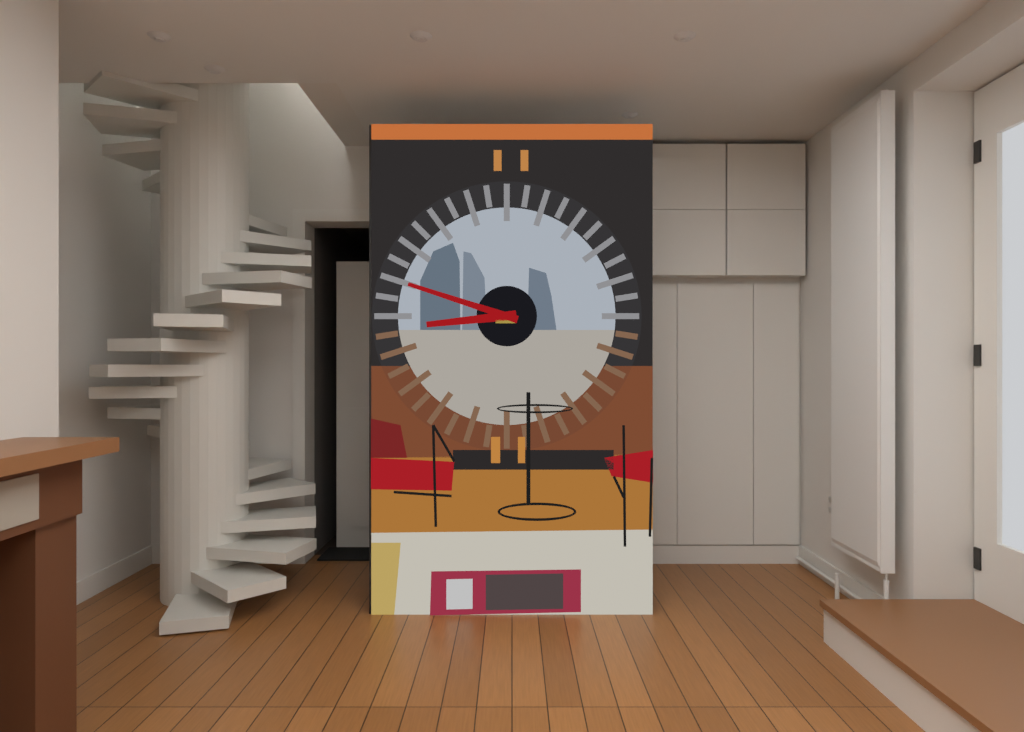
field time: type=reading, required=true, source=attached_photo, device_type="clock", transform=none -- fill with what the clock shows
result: 8:48
